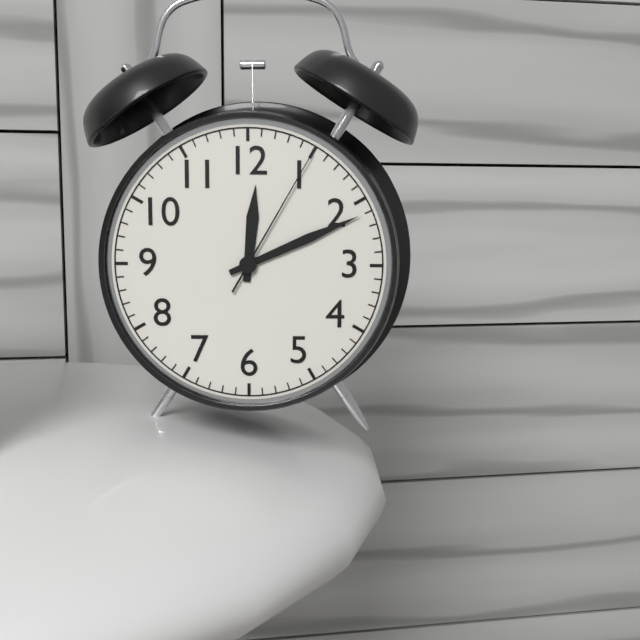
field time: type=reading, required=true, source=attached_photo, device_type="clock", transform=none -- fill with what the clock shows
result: 12:11:05
